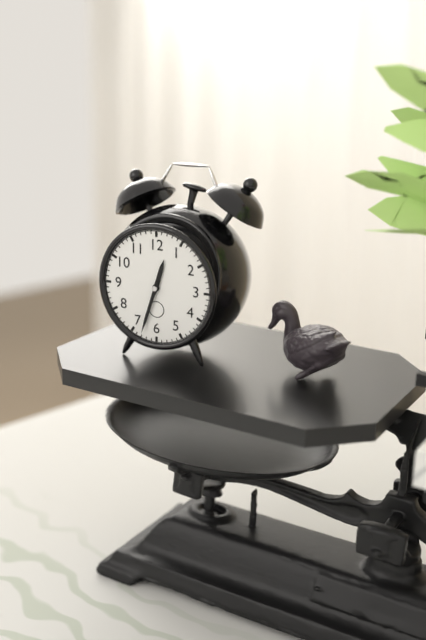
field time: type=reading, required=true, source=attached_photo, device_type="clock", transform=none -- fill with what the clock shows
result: 12:33
